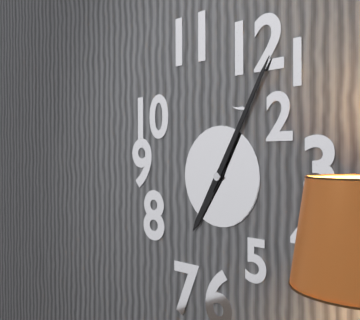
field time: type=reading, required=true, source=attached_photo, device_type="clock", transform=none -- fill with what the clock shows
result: 7:05
